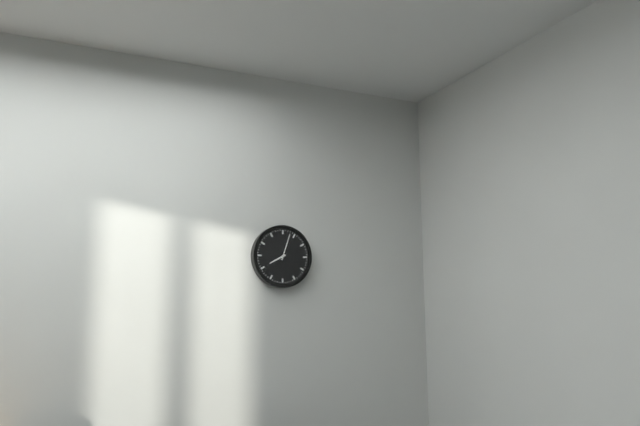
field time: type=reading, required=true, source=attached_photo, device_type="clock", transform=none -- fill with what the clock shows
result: 8:03
